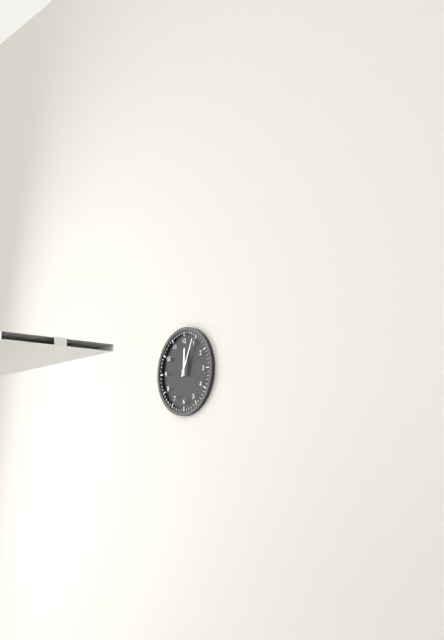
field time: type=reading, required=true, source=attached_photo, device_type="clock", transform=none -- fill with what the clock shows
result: 12:04
